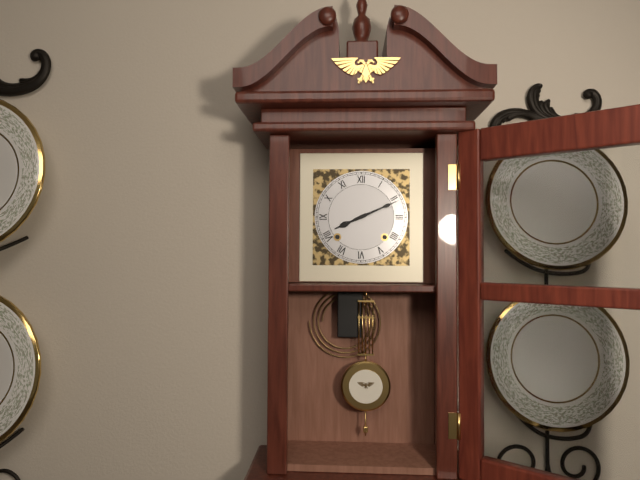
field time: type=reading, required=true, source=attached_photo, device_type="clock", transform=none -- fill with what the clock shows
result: 8:11
